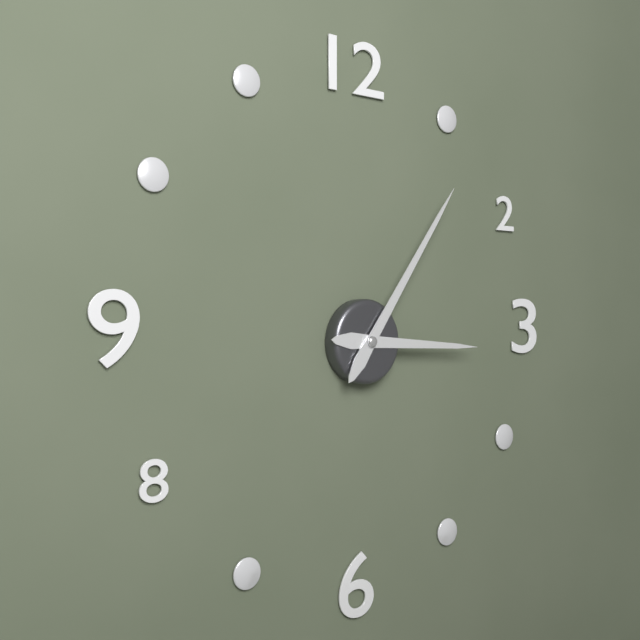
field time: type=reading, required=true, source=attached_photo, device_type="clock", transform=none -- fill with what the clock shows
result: 3:06
